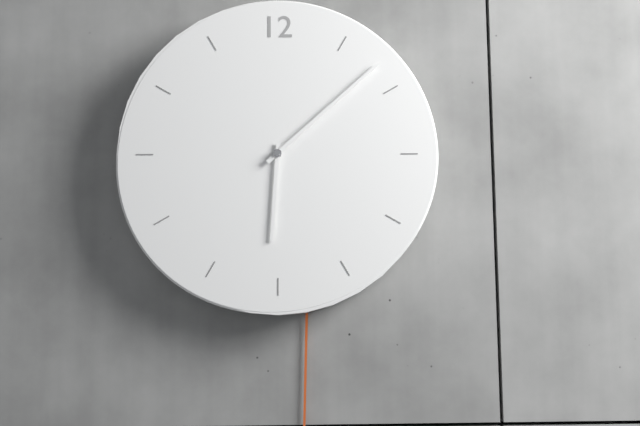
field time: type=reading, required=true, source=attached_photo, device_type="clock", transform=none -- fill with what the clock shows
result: 6:08
